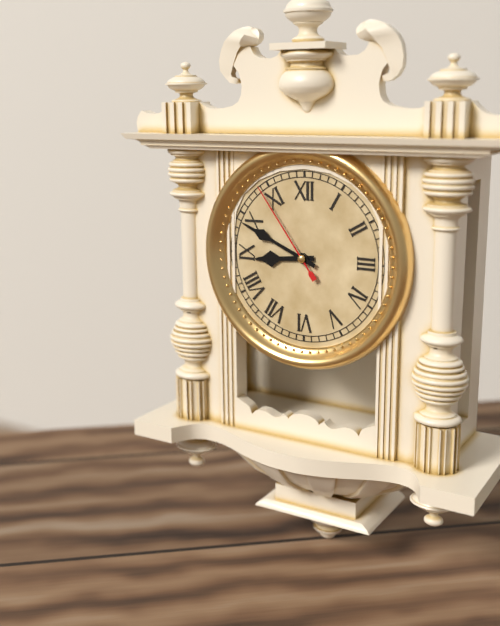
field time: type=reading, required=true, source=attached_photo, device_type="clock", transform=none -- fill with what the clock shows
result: 8:49:54
